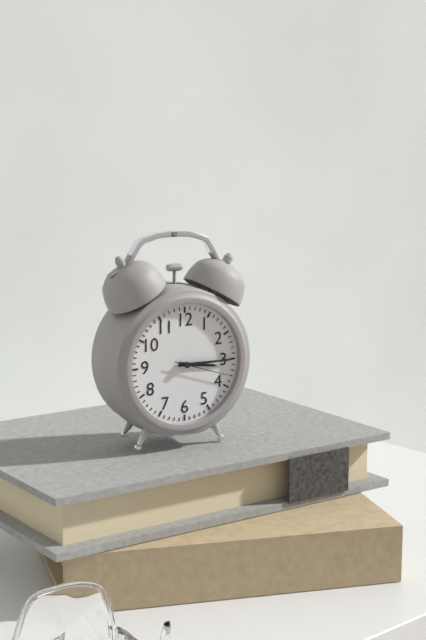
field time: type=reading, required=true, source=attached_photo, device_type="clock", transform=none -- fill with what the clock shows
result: 3:15:18
